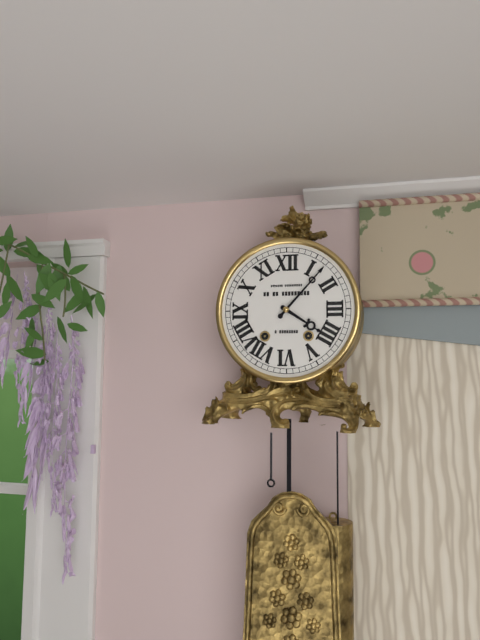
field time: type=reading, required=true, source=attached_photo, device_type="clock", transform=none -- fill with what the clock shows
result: 4:07
